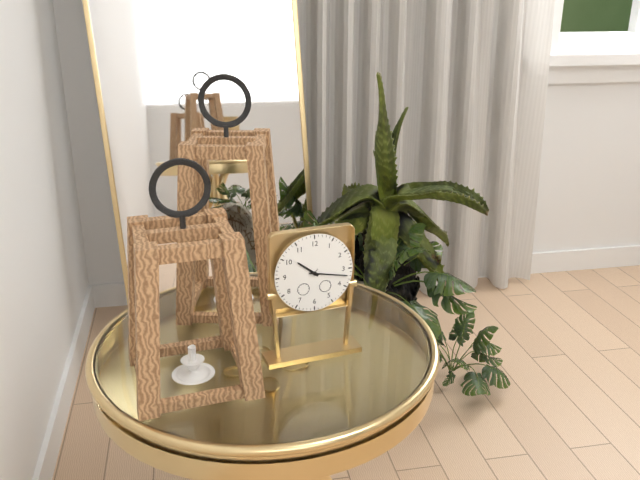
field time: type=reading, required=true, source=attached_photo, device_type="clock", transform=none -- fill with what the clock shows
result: 10:17
